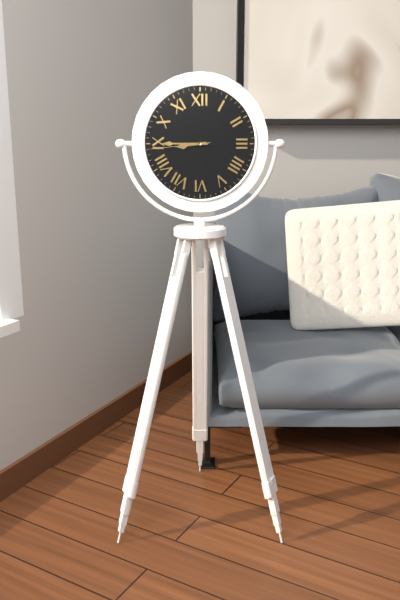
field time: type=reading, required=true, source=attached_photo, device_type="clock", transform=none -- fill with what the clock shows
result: 8:45:44
